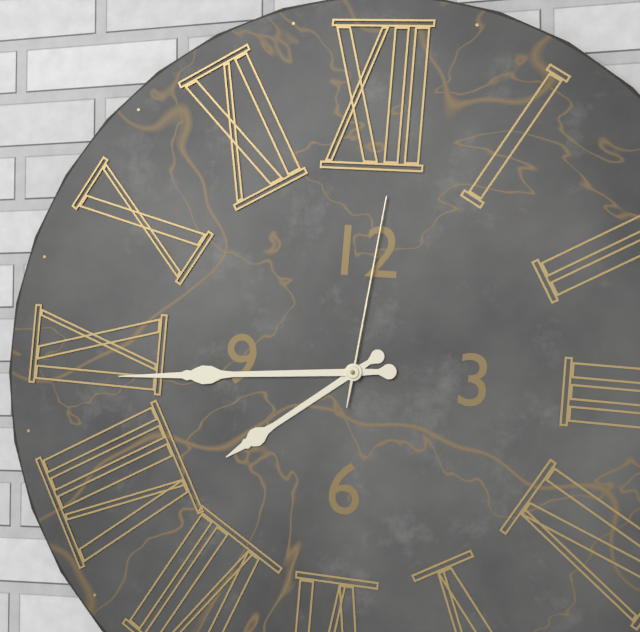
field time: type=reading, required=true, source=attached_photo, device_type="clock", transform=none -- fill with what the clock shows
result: 7:44:01
